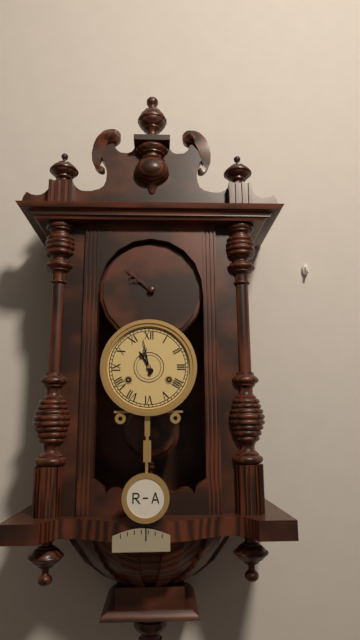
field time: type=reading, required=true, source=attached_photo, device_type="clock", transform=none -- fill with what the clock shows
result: 10:58
